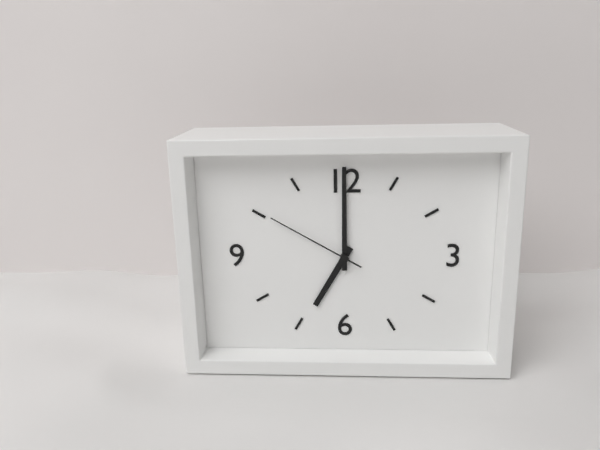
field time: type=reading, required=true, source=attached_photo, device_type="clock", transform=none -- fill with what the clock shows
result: 7:00:50
